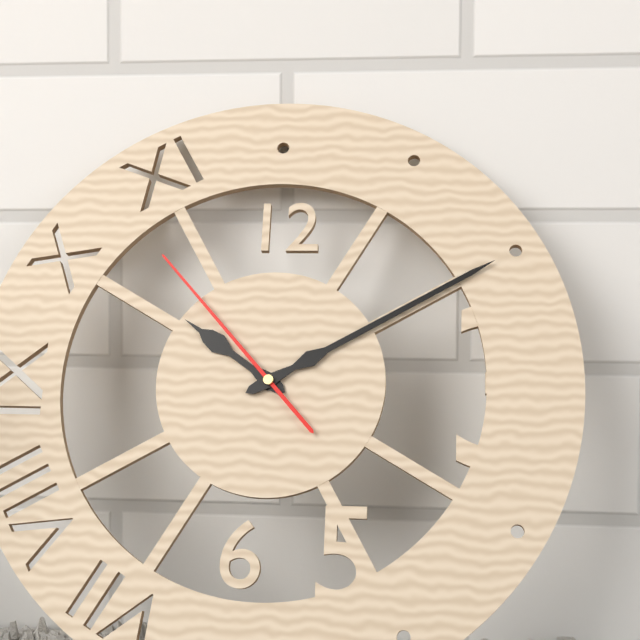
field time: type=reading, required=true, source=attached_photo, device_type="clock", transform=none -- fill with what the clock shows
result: 10:10:53
